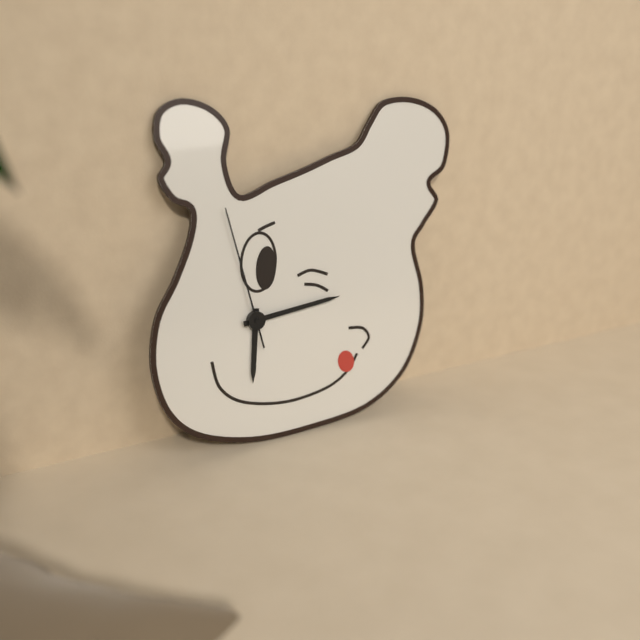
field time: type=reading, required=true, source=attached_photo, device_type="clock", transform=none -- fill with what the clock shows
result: 6:14:58
